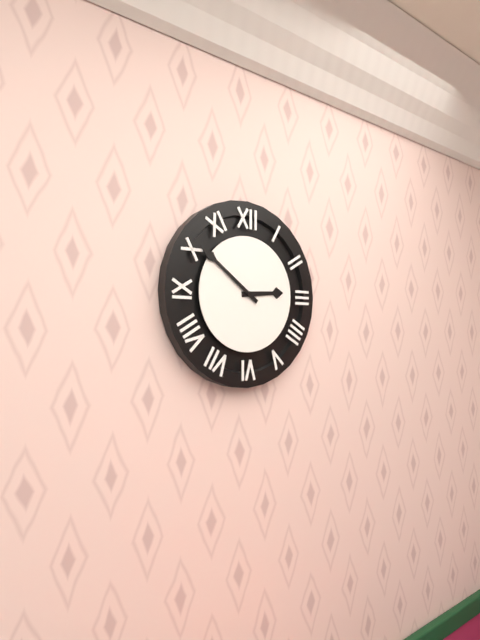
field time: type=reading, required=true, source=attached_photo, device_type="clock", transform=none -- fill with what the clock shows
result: 2:51
